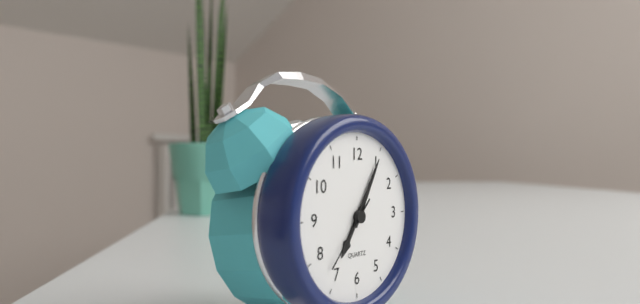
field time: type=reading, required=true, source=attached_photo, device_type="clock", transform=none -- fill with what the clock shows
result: 7:05:37
